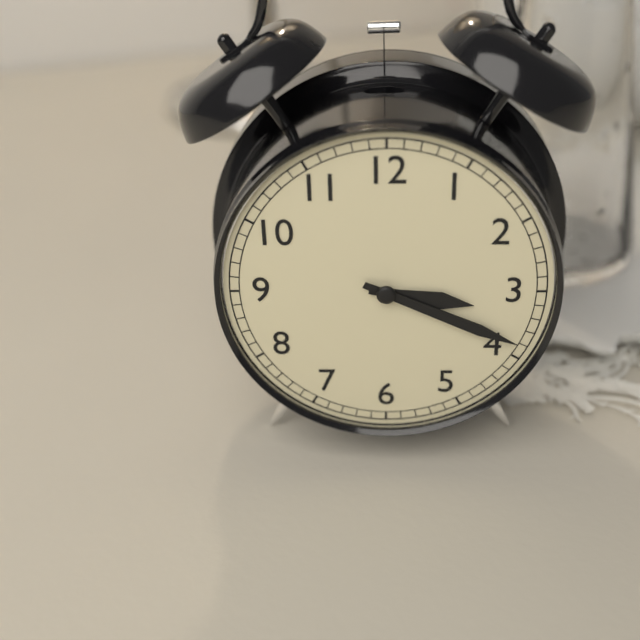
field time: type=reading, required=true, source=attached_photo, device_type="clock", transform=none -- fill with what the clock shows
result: 3:19
